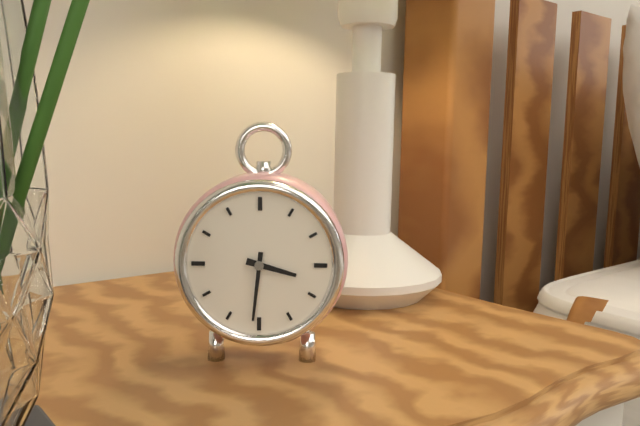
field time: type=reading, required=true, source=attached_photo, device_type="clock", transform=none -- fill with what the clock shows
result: 3:31
